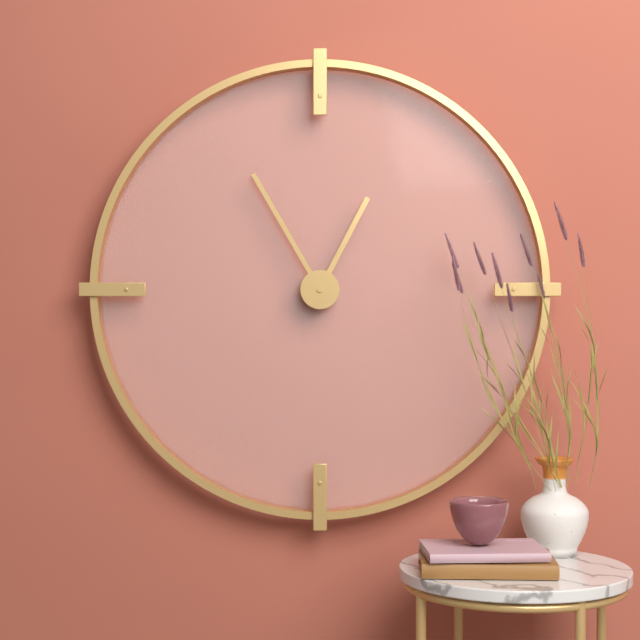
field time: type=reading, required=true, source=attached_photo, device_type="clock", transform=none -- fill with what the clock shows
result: 12:55
